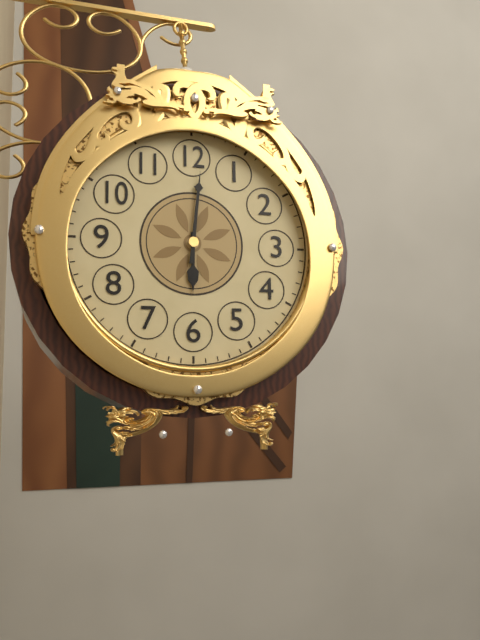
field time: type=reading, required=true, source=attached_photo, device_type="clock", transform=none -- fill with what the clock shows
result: 6:01
